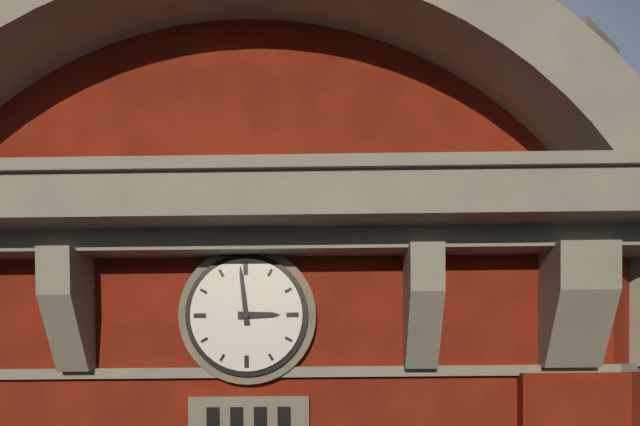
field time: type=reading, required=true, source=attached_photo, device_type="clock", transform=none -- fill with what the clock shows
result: 2:59
